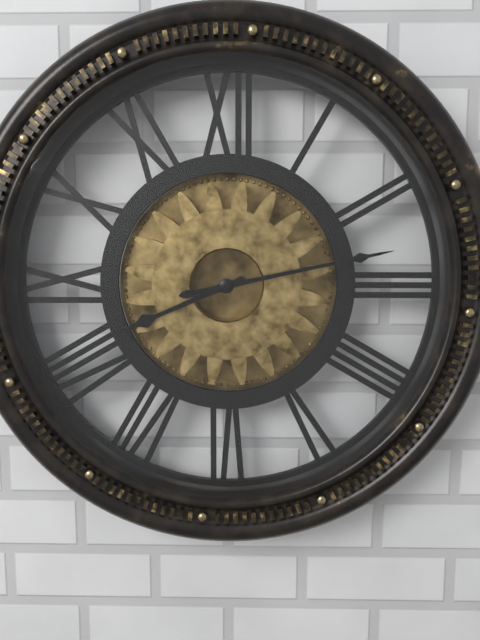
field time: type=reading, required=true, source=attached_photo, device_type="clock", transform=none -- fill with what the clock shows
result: 8:13
